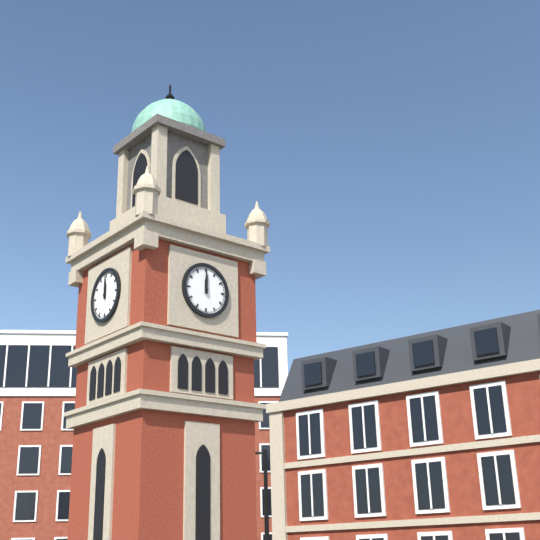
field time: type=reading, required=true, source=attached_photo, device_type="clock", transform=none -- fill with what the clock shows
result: 12:00
